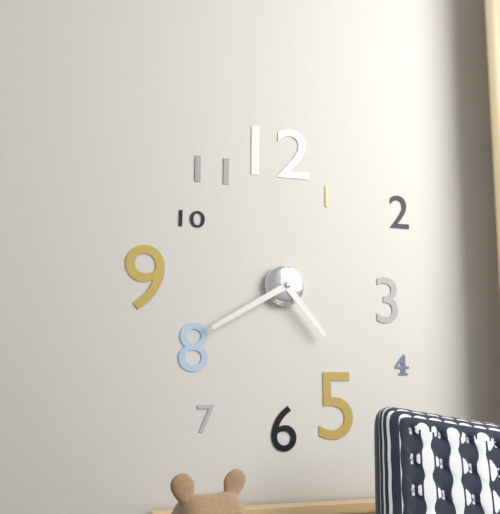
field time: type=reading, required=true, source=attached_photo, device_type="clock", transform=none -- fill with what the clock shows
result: 4:40
